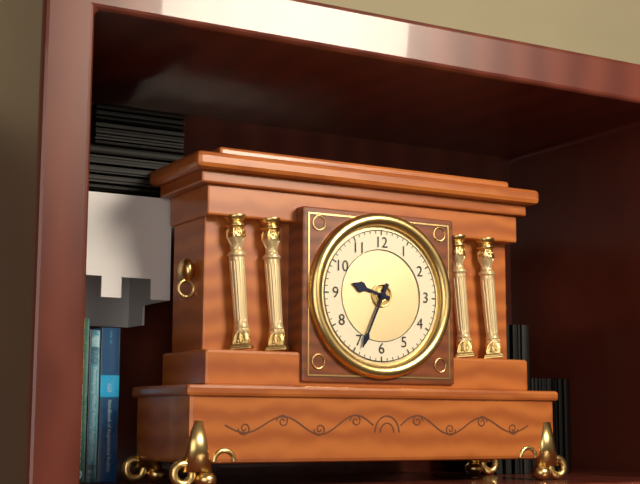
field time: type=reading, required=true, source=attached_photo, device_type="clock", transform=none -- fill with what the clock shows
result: 9:34
